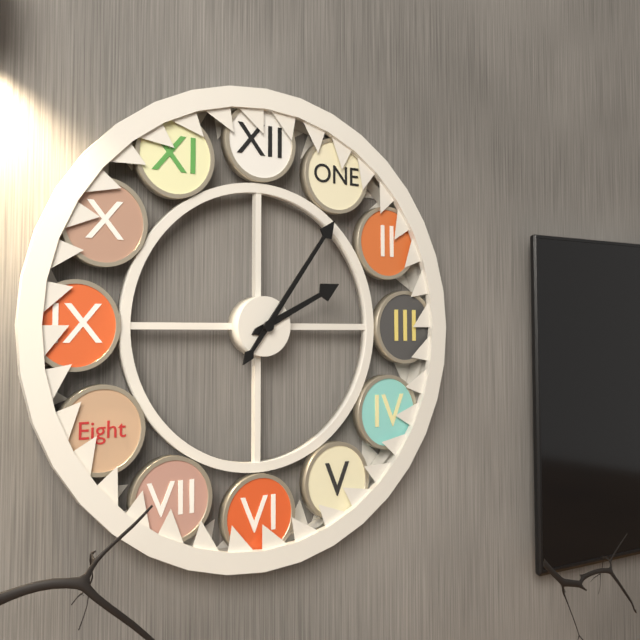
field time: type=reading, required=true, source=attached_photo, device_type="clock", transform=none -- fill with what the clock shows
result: 2:06
